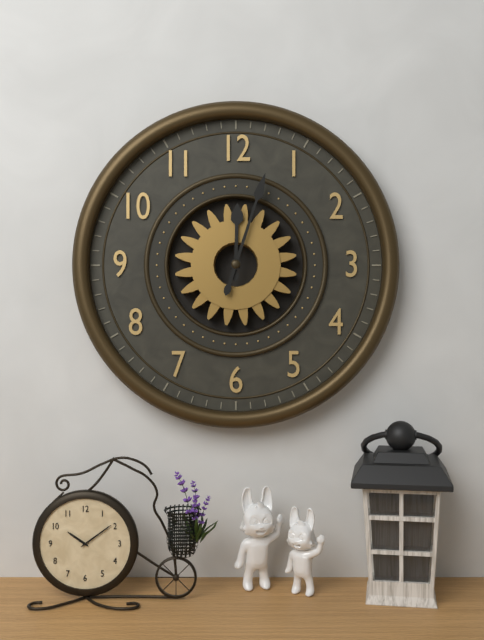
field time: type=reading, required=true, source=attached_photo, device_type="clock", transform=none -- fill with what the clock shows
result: 12:03
